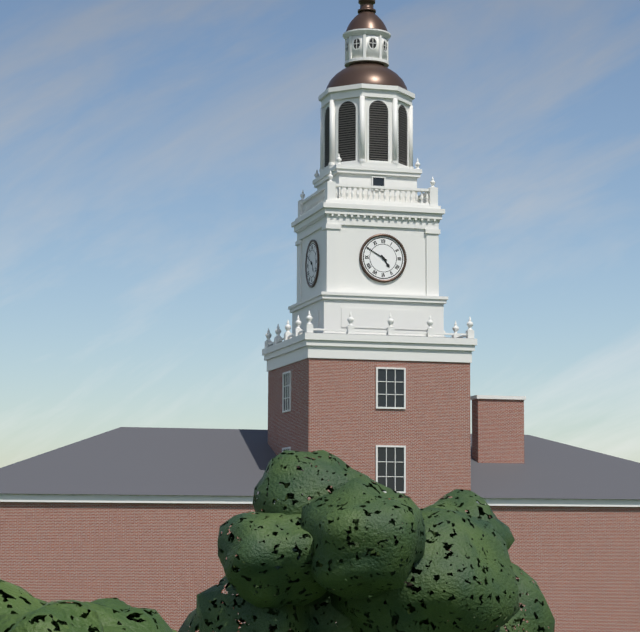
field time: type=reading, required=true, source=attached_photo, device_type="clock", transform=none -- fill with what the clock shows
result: 4:50
